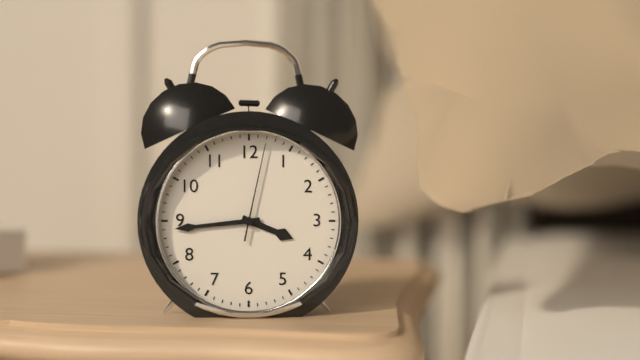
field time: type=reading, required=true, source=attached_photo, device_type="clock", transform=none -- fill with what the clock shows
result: 3:44:02
